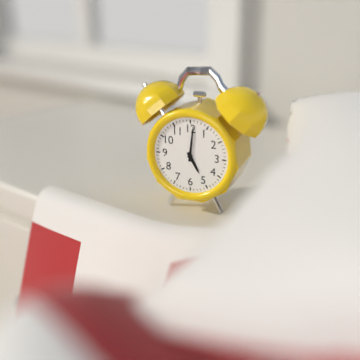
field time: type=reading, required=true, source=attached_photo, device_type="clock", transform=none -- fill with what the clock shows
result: 5:01
